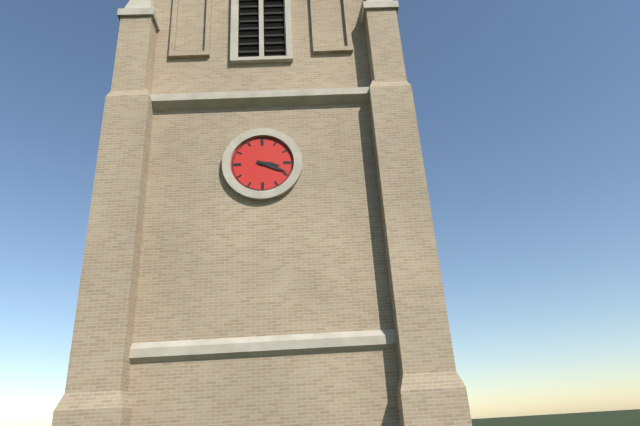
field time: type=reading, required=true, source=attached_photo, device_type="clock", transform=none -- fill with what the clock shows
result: 3:19
